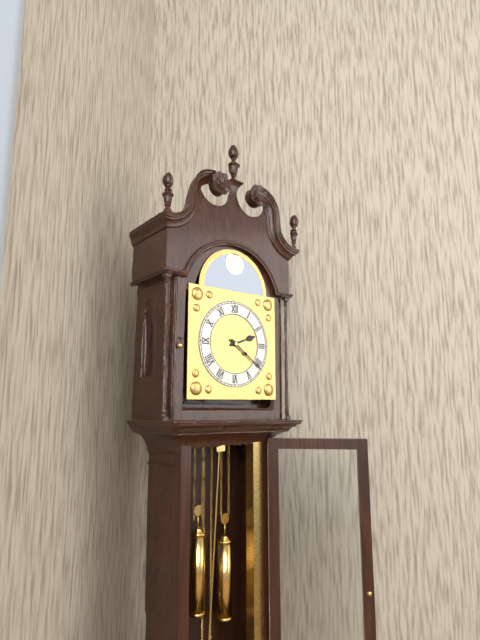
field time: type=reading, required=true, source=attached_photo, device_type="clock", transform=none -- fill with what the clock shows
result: 2:21
